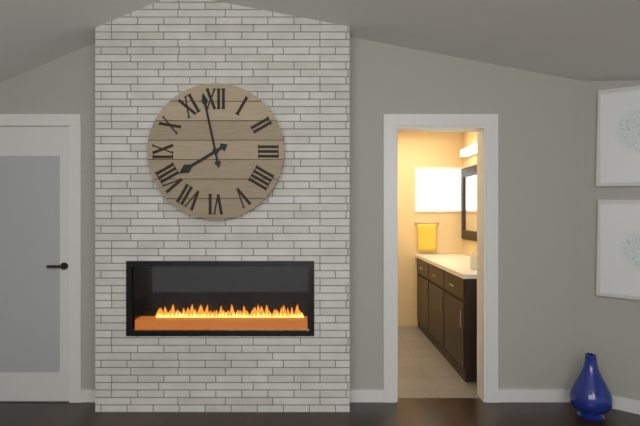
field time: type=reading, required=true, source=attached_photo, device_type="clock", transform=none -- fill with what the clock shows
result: 7:58
